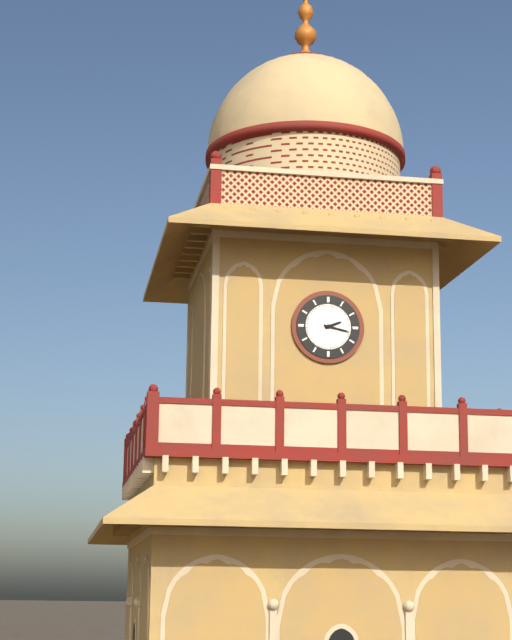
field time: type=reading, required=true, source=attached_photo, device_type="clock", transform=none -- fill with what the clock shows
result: 2:17
